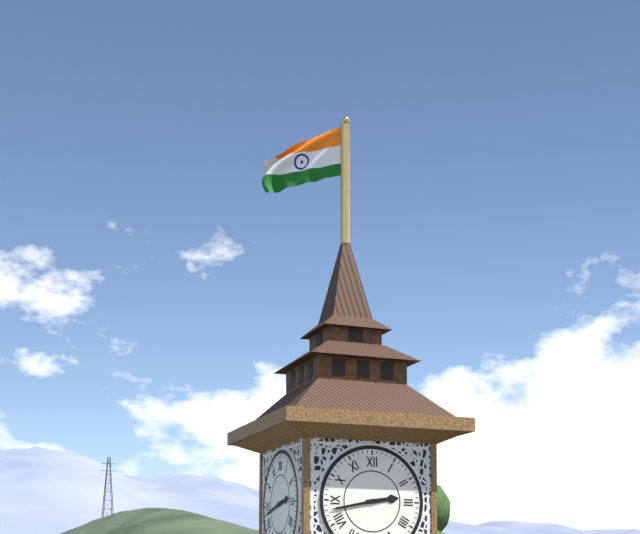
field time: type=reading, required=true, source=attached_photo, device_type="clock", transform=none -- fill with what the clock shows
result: 2:43
